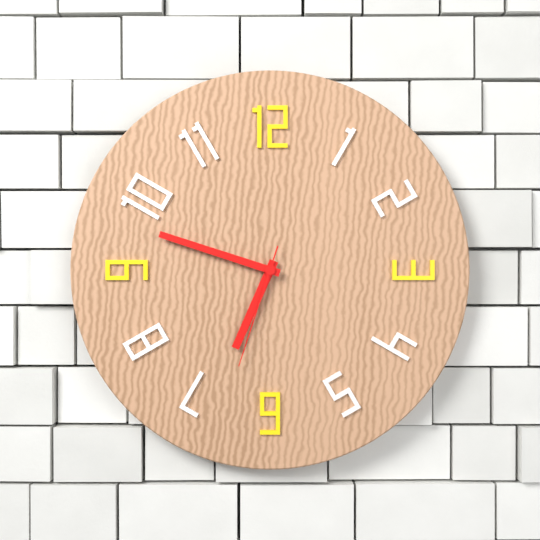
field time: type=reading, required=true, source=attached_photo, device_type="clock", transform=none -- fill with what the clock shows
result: 6:48:33
